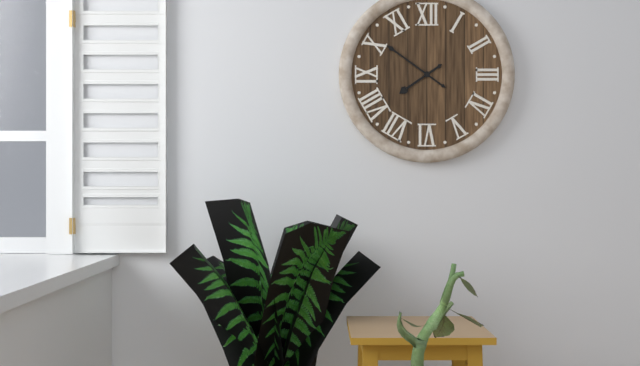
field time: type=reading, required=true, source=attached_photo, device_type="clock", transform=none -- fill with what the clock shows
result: 7:51
